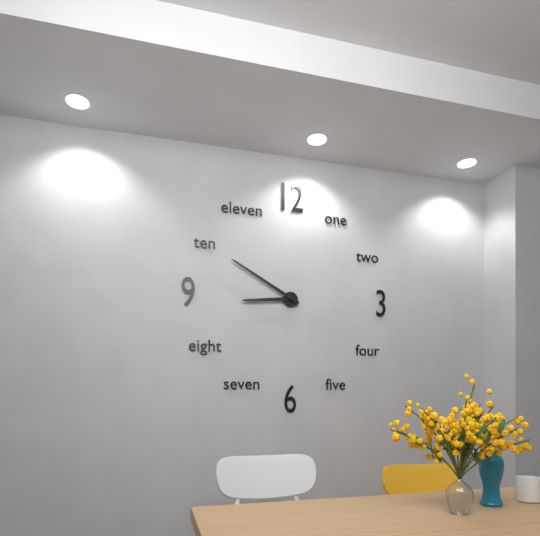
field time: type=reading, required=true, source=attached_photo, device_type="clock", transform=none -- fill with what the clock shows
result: 8:50
